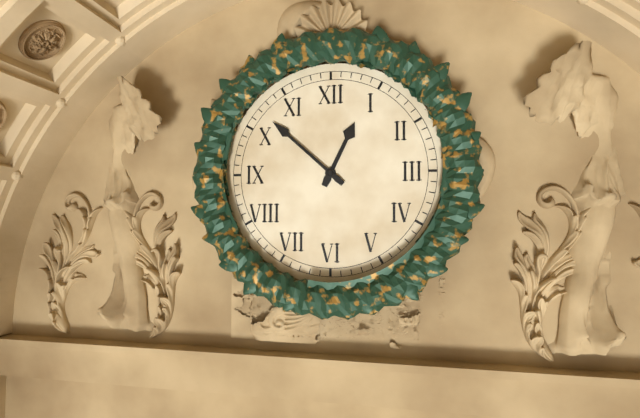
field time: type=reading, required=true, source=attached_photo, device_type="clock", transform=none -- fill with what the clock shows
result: 12:52
